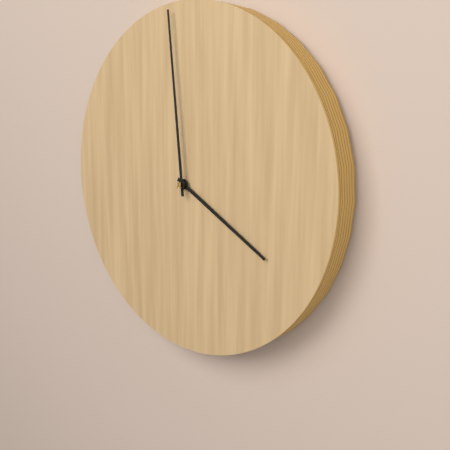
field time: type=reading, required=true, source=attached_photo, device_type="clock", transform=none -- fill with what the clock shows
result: 3:59
